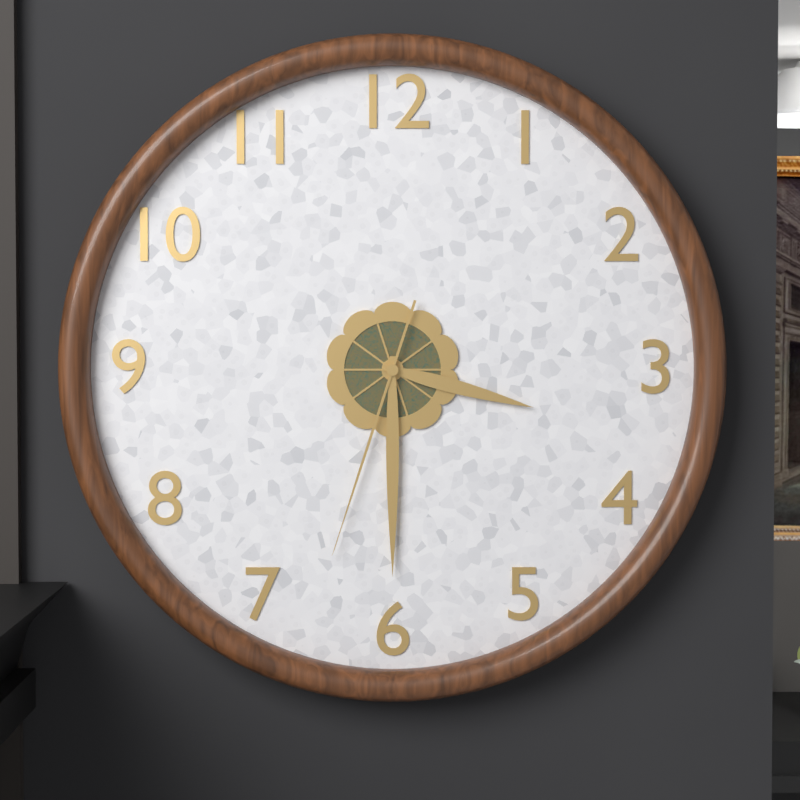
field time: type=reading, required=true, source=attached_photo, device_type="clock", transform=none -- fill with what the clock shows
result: 3:30:33
